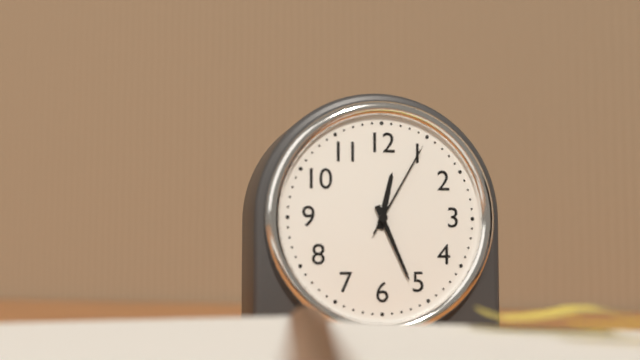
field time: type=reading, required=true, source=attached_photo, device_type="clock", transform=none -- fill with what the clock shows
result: 12:26:05
